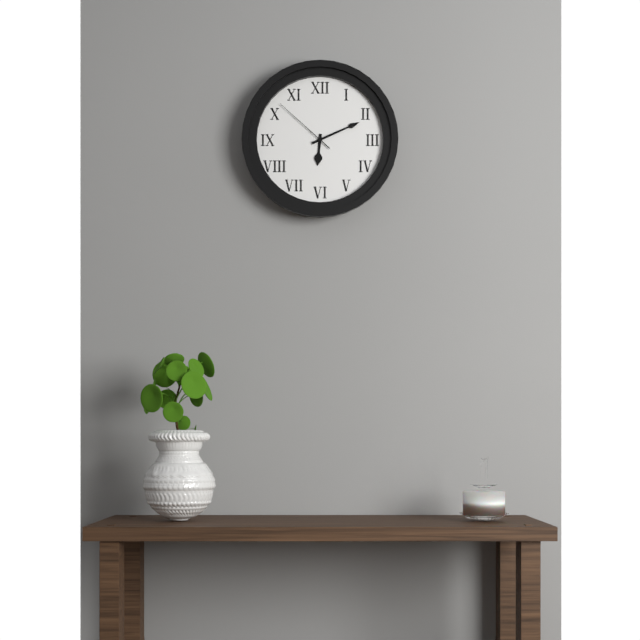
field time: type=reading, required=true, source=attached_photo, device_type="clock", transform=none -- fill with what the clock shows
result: 6:11:52
